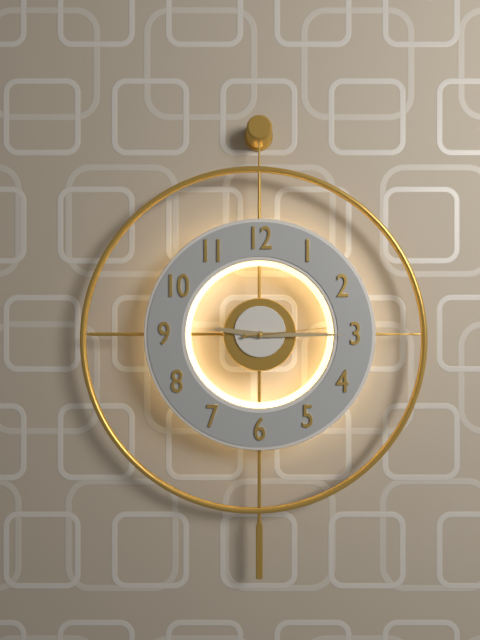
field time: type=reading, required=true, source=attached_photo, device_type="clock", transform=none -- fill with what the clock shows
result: 9:15:14
